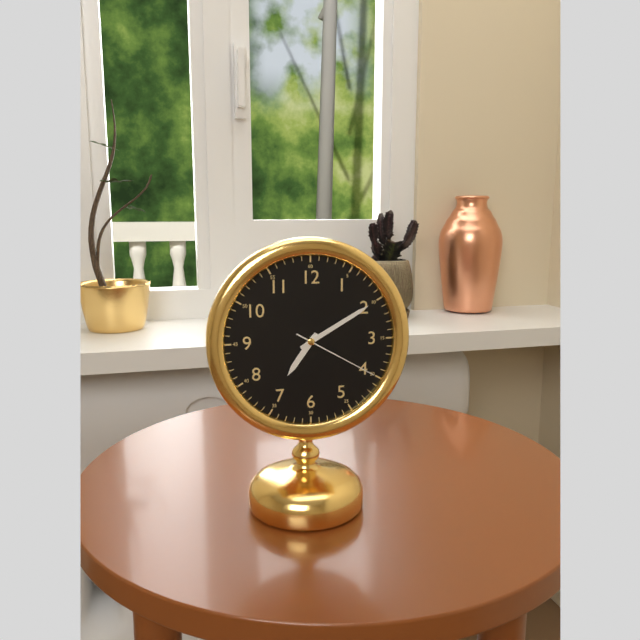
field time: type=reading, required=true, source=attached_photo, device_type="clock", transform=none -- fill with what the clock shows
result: 7:10:20
